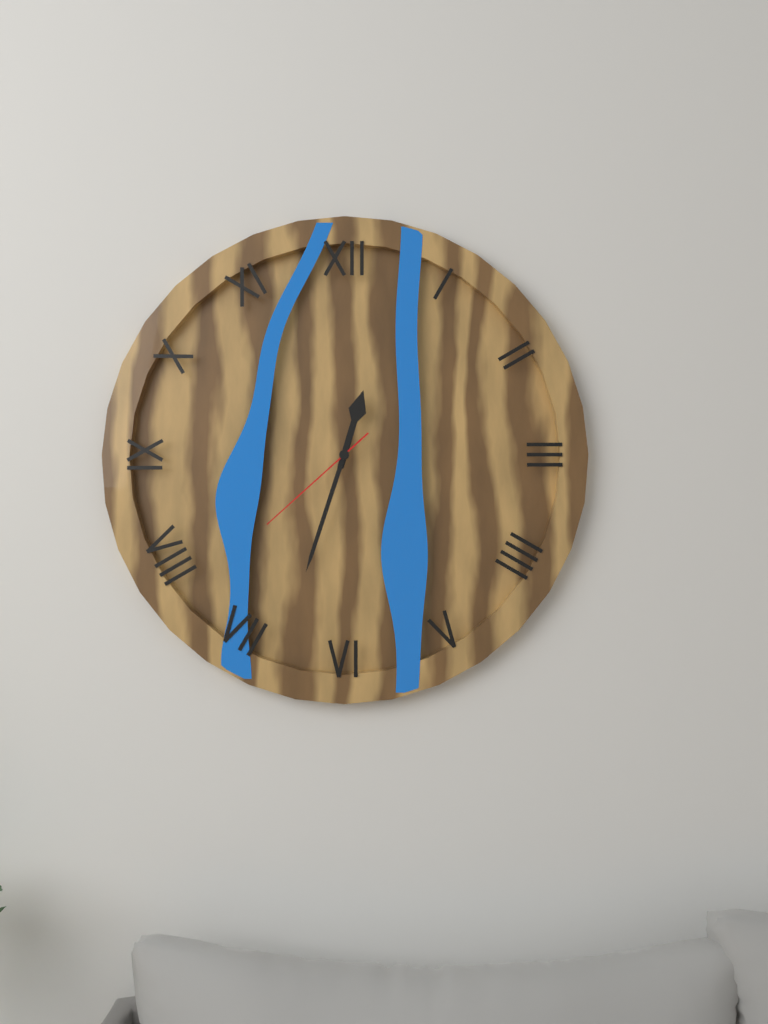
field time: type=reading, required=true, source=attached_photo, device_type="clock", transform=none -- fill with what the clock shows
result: 12:33:38
